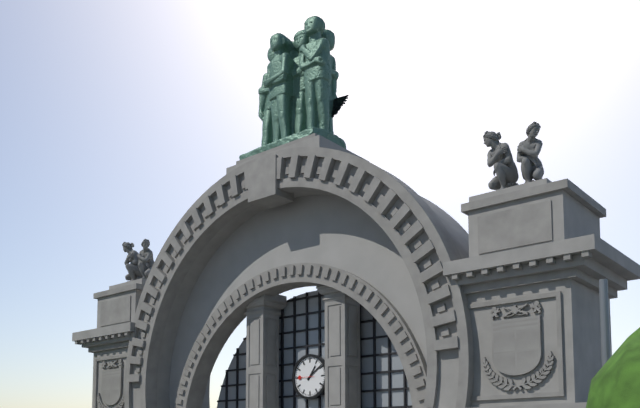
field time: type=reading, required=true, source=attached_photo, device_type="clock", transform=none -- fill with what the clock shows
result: 1:09
